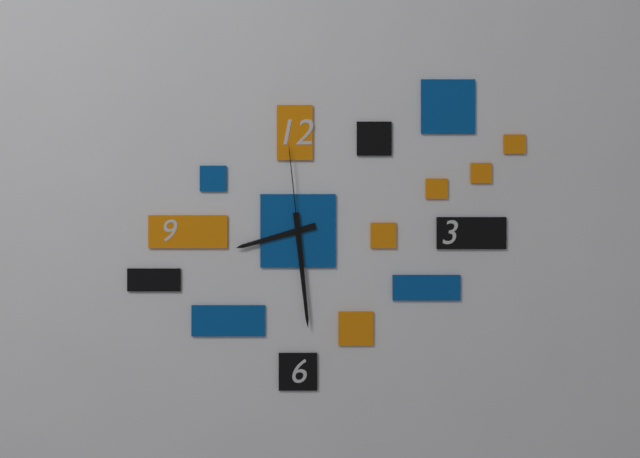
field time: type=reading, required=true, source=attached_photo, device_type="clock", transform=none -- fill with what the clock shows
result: 8:29:59
